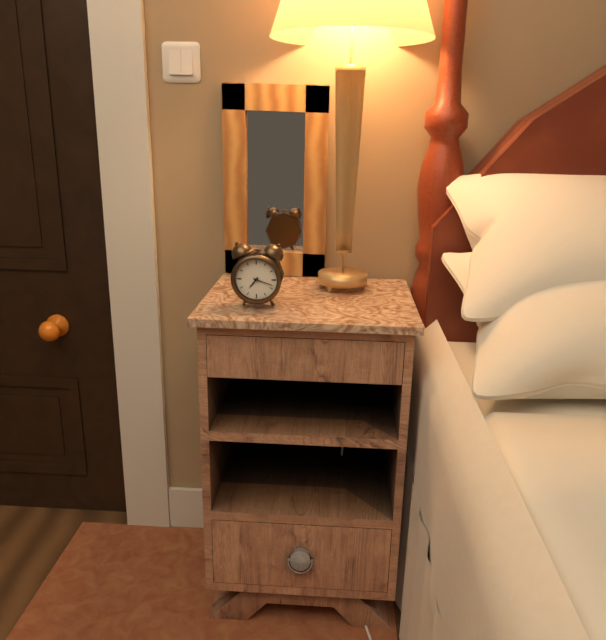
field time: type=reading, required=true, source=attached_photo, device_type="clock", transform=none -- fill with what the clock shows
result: 7:18
